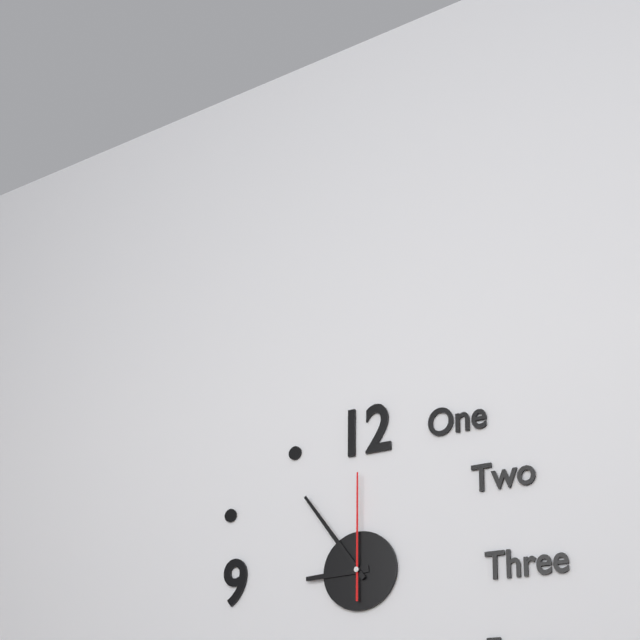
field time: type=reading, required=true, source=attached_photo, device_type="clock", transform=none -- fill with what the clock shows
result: 8:54:00
